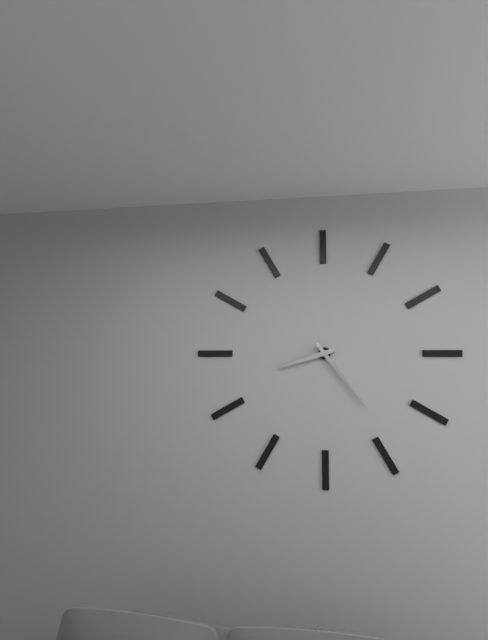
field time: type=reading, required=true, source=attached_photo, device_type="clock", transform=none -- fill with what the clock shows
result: 8:24
